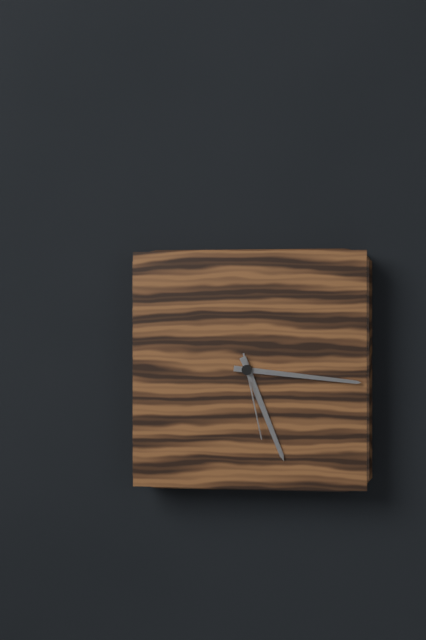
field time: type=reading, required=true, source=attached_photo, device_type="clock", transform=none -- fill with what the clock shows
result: 5:16:28
